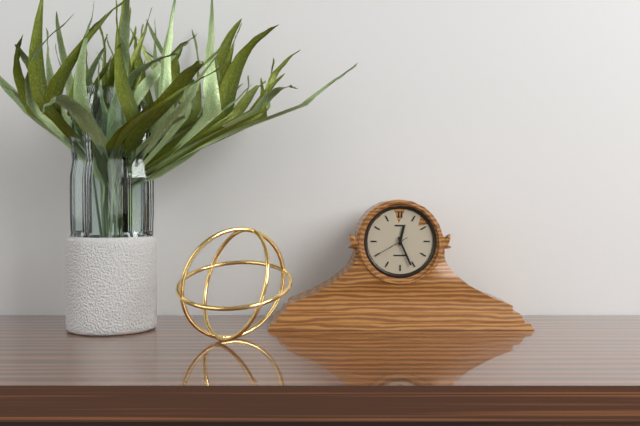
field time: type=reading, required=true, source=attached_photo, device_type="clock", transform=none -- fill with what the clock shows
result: 12:26
